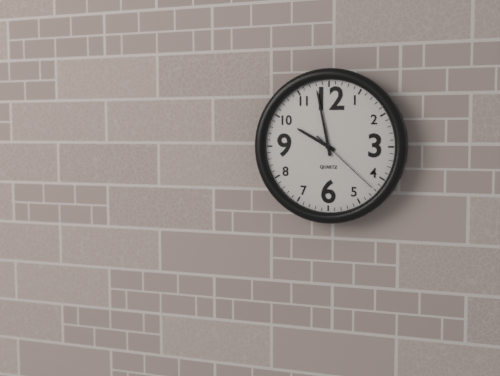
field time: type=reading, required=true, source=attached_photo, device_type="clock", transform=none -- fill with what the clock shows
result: 9:58:22
